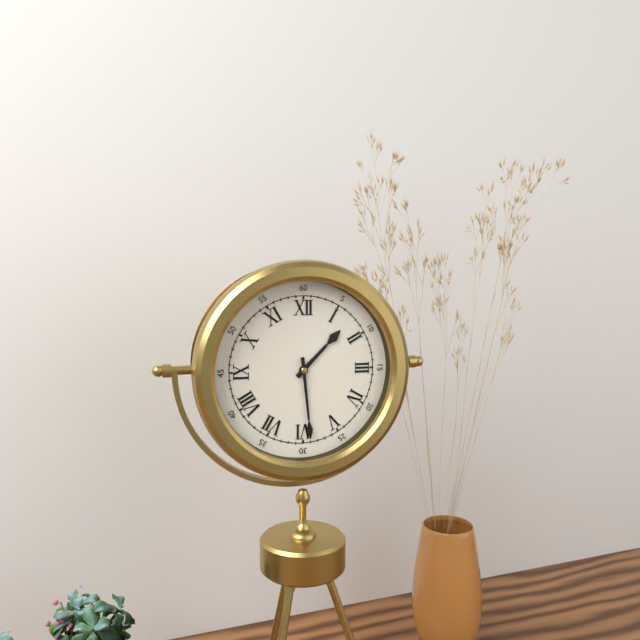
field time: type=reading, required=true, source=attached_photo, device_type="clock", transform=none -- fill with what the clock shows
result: 1:29
